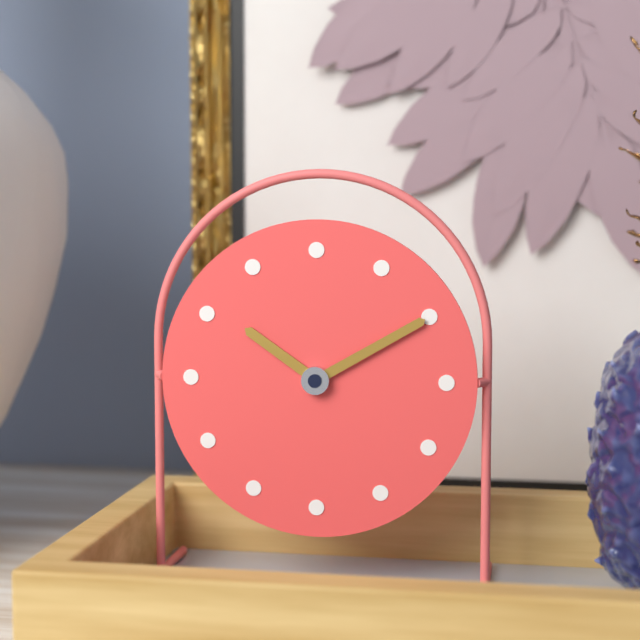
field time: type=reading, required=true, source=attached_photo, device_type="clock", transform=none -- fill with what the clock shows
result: 10:10
